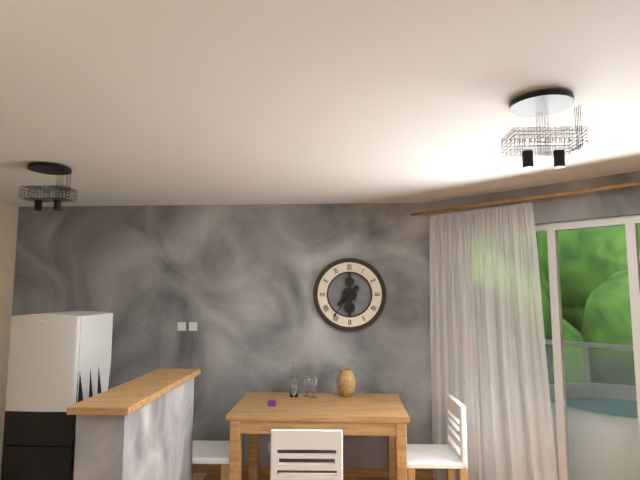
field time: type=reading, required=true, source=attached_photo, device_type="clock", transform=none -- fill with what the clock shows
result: 7:36
